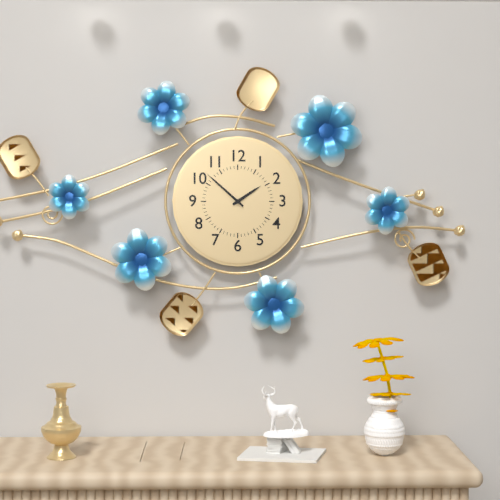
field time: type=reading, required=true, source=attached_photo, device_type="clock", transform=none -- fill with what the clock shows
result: 1:52
